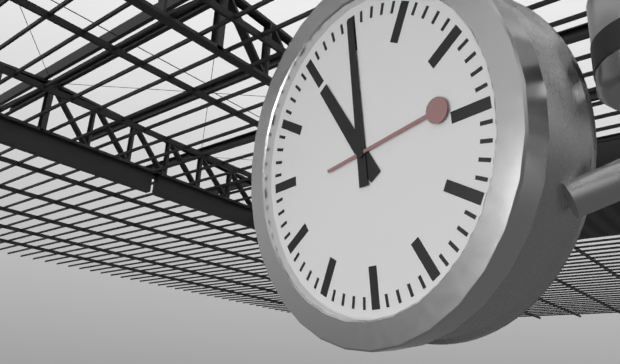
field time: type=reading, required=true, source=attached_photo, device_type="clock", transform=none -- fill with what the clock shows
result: 11:00:14
